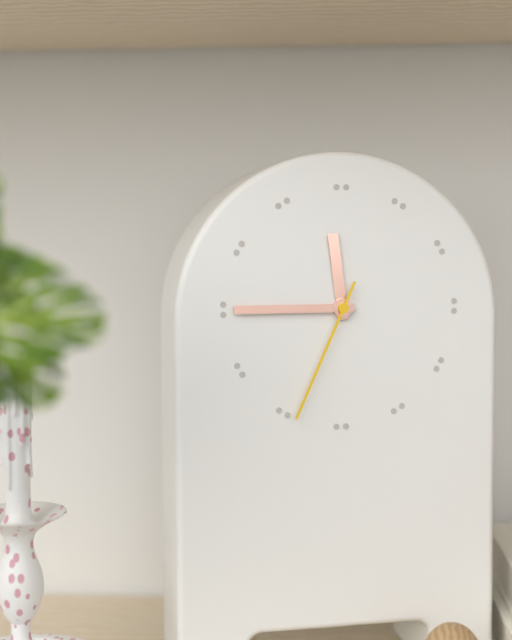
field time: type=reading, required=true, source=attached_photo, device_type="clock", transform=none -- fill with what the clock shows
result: 11:45:34
